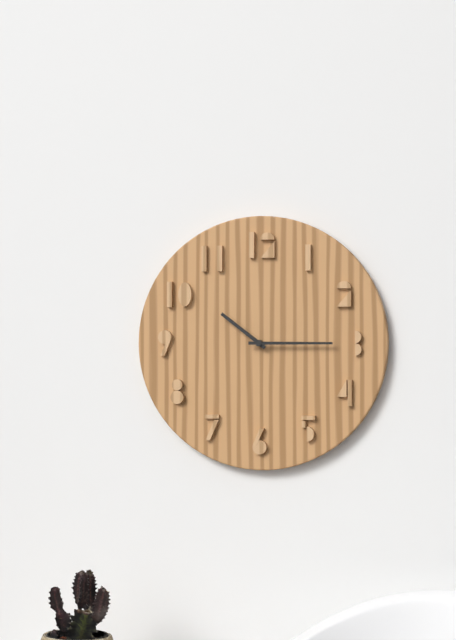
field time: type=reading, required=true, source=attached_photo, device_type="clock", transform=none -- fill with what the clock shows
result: 10:15
